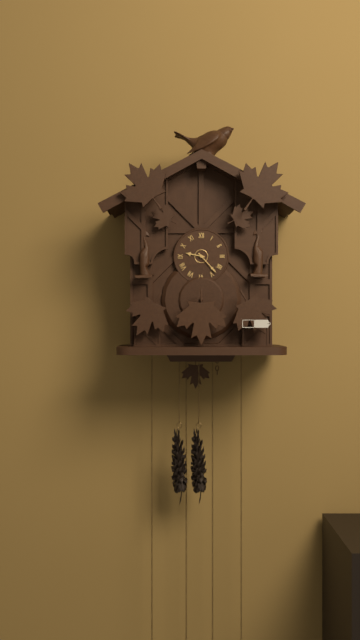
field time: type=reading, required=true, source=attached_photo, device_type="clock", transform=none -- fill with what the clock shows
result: 9:23
